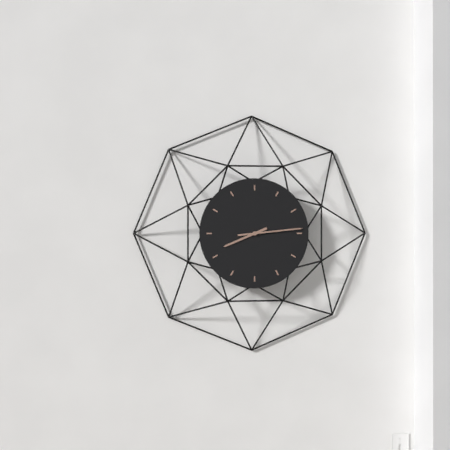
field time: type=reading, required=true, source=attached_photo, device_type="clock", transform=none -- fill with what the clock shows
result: 8:14
